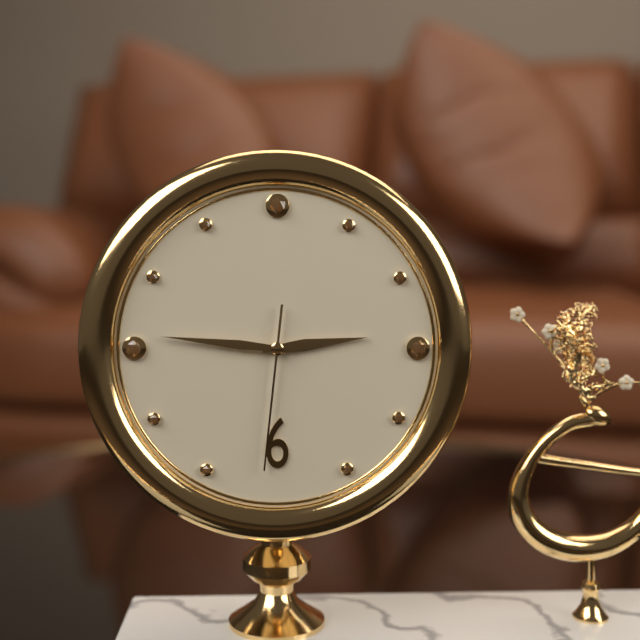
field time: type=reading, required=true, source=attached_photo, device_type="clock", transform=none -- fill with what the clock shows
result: 2:46:31
